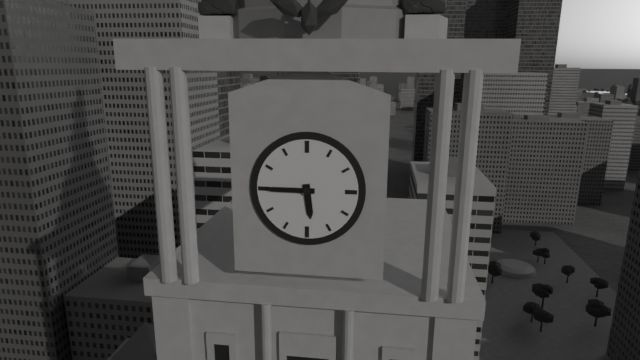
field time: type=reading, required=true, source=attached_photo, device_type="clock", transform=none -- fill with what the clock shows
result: 5:45
